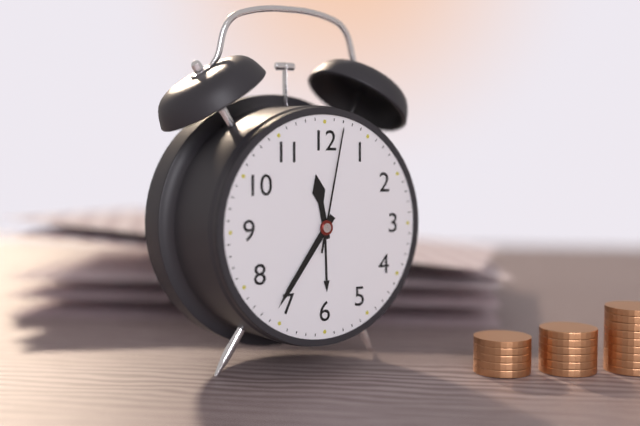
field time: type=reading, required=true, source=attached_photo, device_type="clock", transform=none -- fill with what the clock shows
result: 11:36:02
